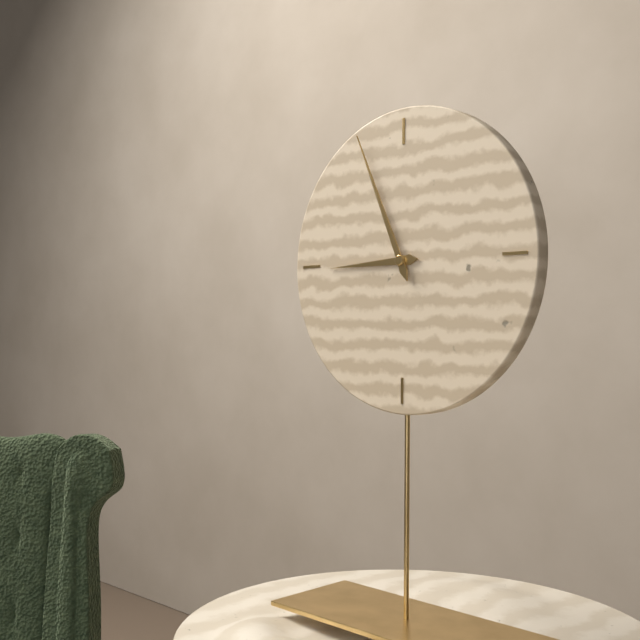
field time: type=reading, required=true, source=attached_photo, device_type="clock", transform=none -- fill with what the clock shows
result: 8:56
